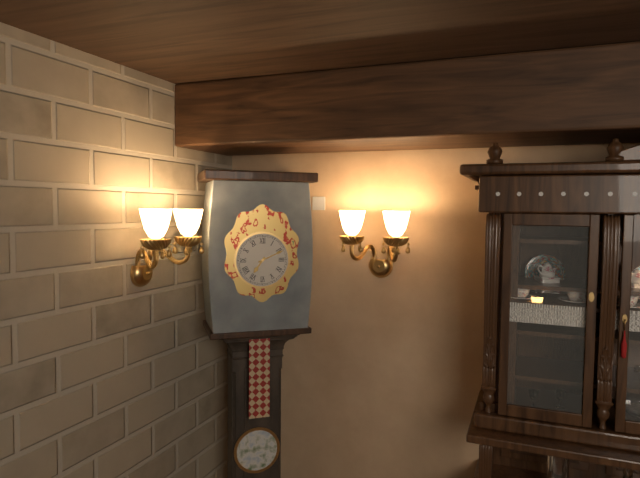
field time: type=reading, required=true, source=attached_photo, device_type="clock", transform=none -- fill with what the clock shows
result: 7:11
